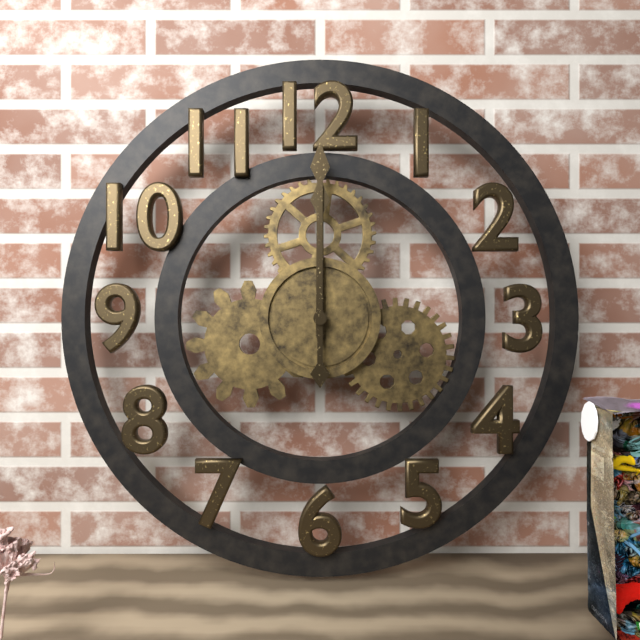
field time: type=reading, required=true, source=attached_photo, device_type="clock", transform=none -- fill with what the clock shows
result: 12:00
